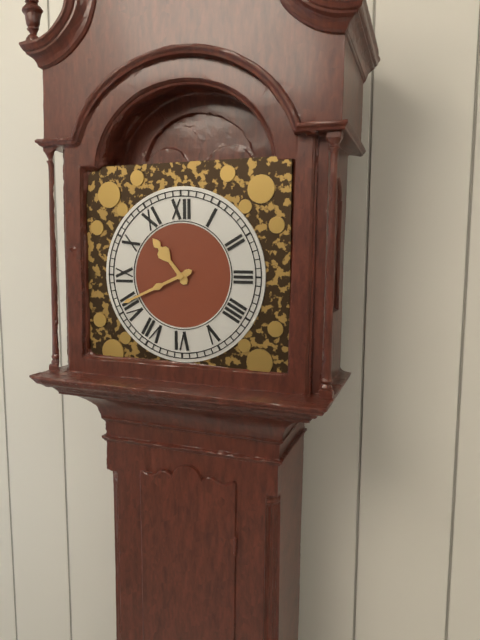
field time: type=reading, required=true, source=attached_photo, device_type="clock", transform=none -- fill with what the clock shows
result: 10:41
